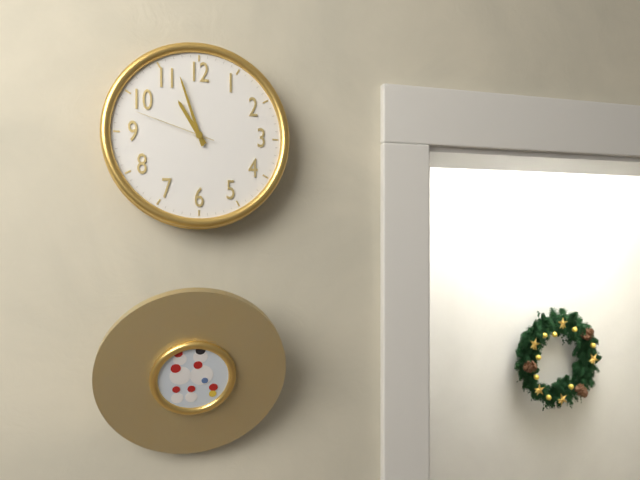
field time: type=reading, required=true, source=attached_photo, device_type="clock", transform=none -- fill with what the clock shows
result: 10:57:48
